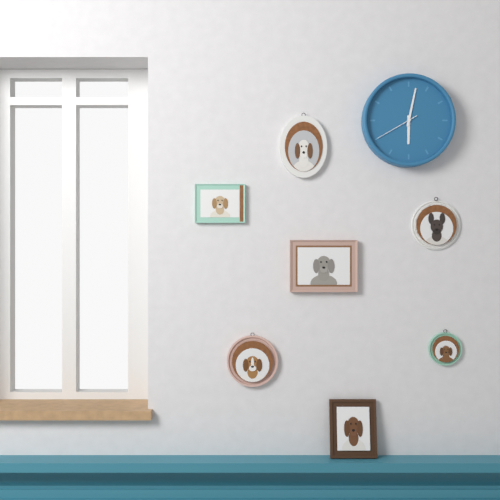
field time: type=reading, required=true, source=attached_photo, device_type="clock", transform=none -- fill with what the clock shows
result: 6:02
